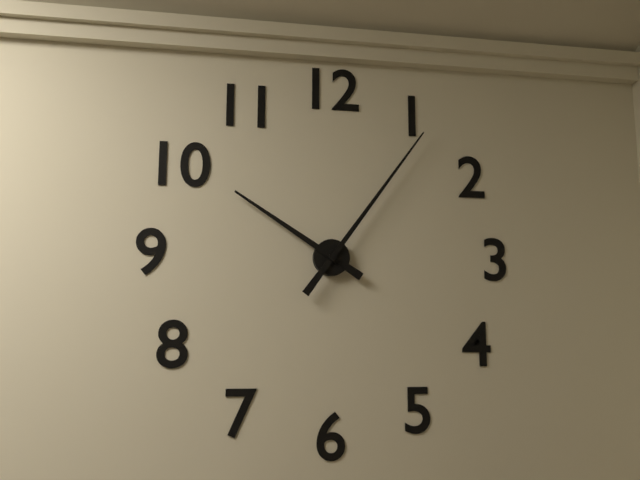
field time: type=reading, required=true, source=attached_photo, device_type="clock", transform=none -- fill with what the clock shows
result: 10:06
